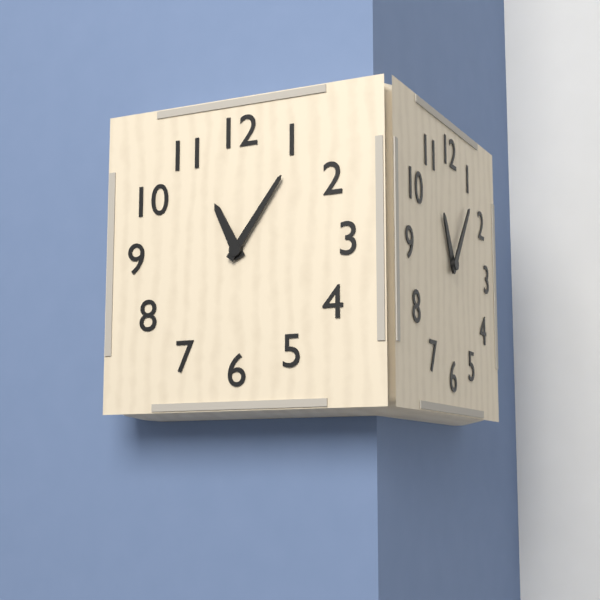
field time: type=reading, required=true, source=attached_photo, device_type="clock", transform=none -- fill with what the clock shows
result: 11:06
